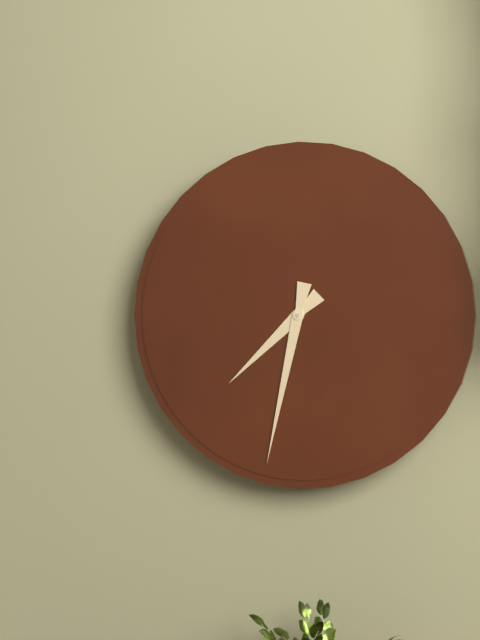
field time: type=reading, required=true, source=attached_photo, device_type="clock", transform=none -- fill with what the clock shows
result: 7:32
